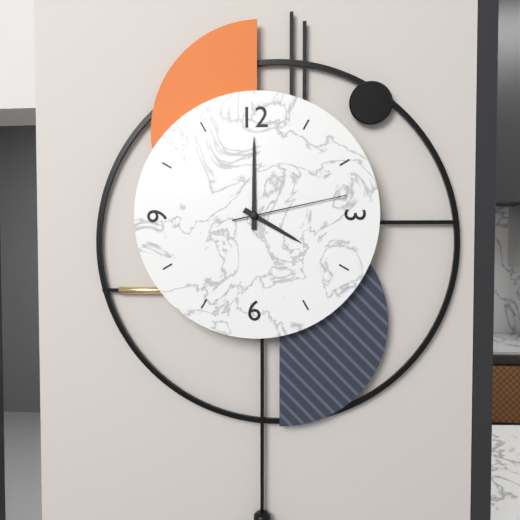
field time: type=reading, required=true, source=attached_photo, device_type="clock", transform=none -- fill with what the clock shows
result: 4:00:13
